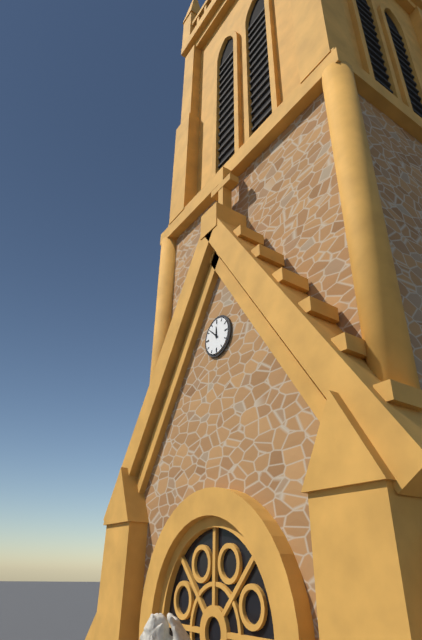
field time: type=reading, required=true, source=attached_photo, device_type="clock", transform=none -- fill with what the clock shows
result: 11:52
